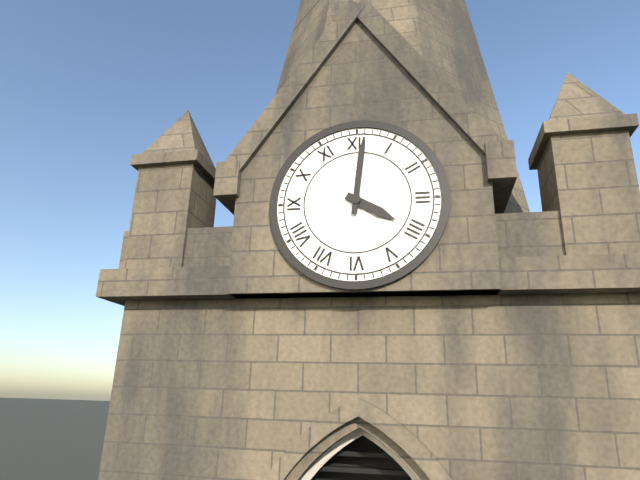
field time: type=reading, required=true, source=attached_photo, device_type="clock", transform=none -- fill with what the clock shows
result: 4:01
